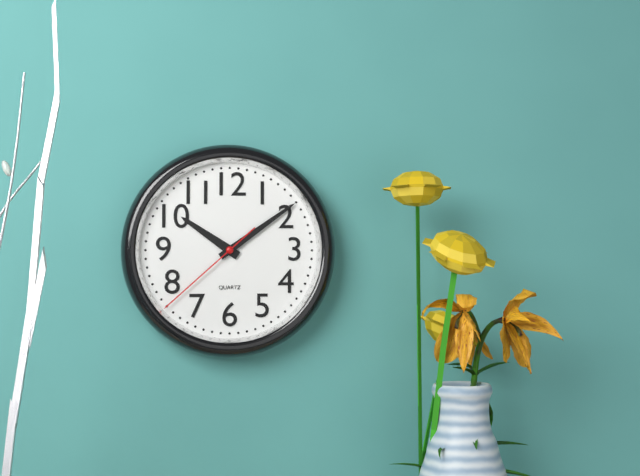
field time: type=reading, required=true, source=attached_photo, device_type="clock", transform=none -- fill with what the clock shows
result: 10:09:38
